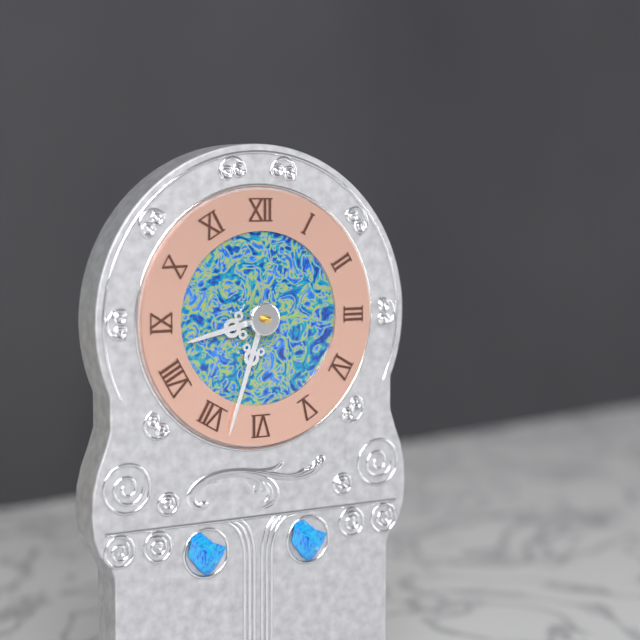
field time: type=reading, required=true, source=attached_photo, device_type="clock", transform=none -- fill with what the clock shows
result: 8:33
